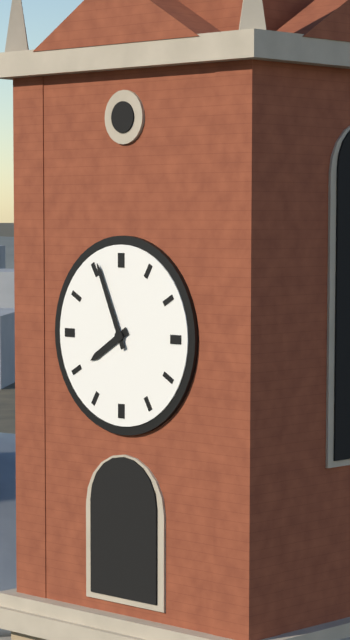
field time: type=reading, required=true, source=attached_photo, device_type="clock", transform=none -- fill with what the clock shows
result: 7:56
